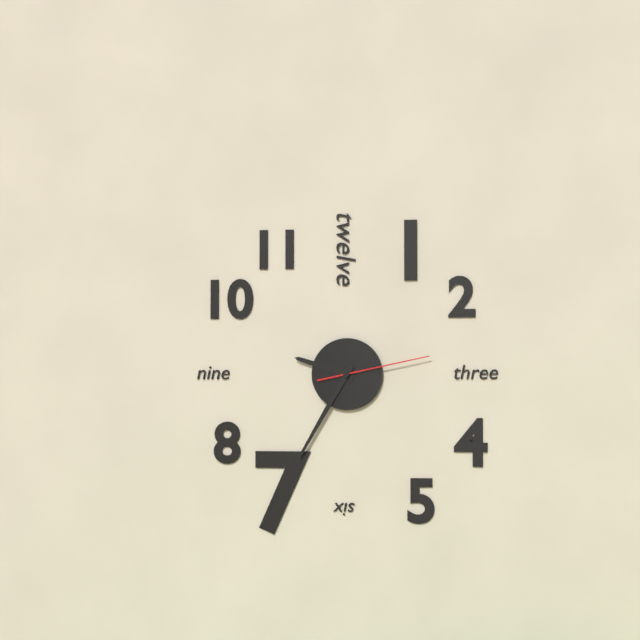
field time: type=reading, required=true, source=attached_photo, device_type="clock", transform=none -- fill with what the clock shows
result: 9:35:13
